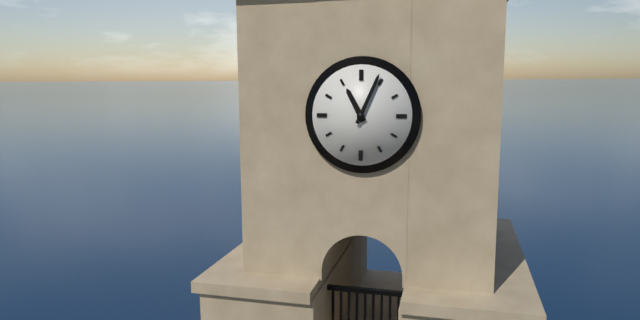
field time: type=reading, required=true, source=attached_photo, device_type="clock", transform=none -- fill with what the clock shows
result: 11:04
